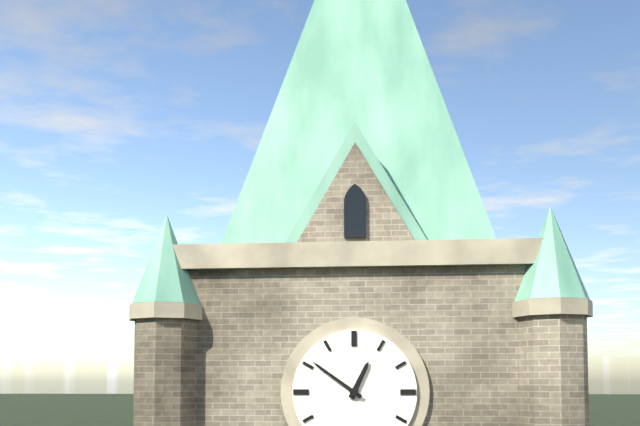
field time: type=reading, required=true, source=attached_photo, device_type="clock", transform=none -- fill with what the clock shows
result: 12:51
